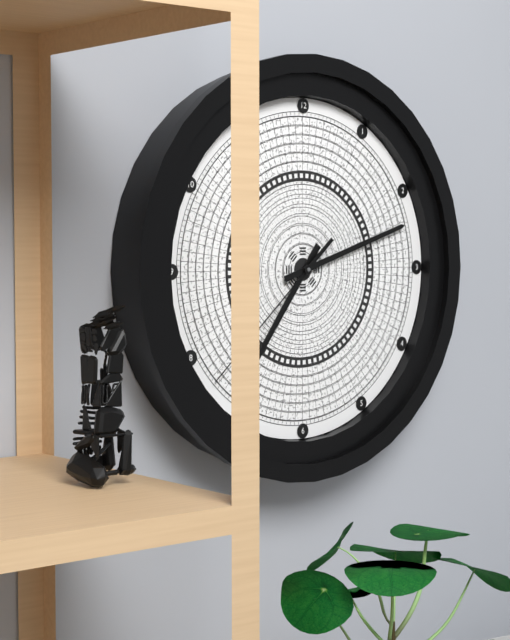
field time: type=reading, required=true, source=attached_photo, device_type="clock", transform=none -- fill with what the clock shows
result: 7:12:38
